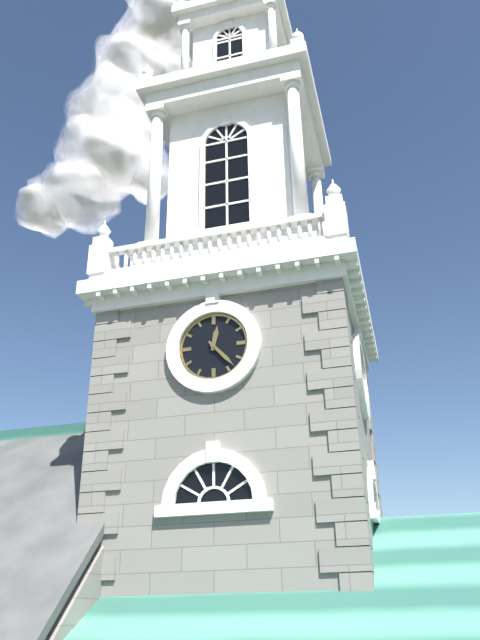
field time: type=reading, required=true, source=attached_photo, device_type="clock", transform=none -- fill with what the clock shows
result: 12:23
